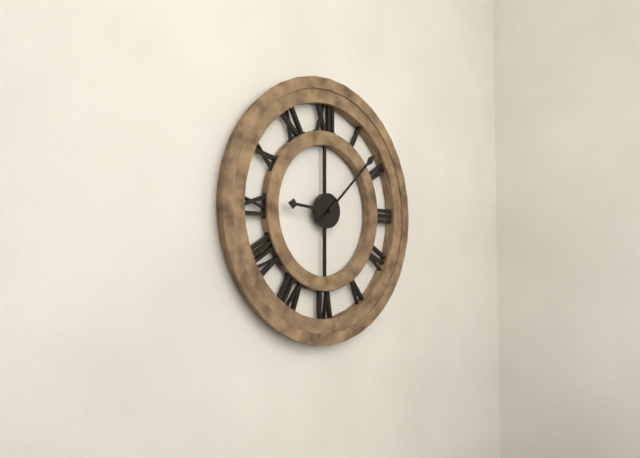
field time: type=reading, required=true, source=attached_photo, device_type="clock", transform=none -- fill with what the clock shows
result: 9:08
